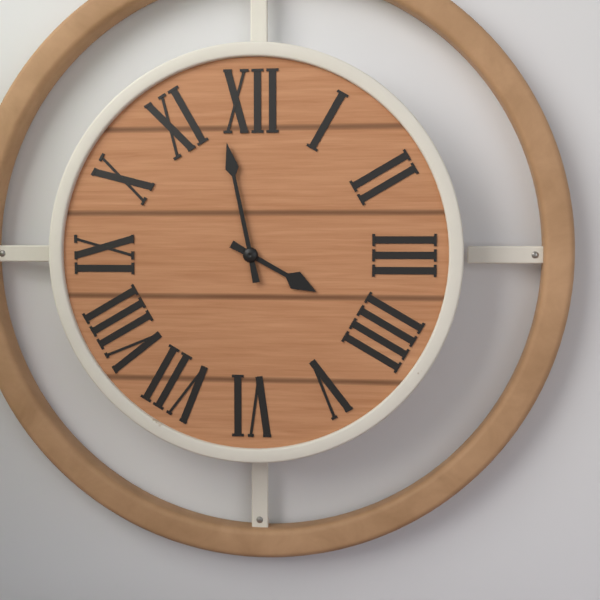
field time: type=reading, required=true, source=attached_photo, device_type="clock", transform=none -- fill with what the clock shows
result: 3:58
